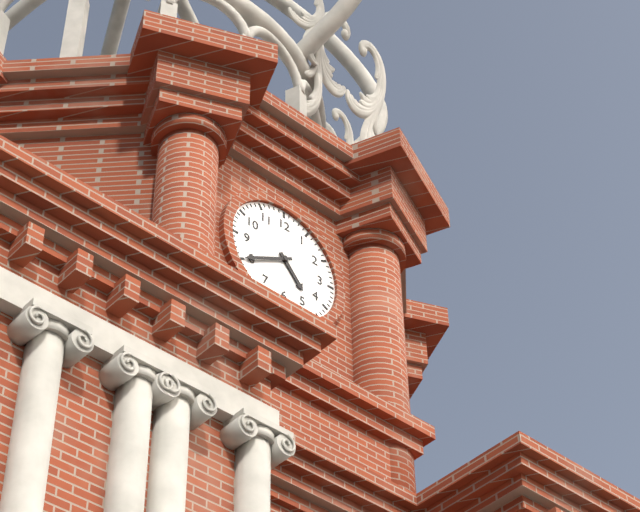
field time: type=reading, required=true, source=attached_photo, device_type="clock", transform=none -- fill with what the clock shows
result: 4:40
